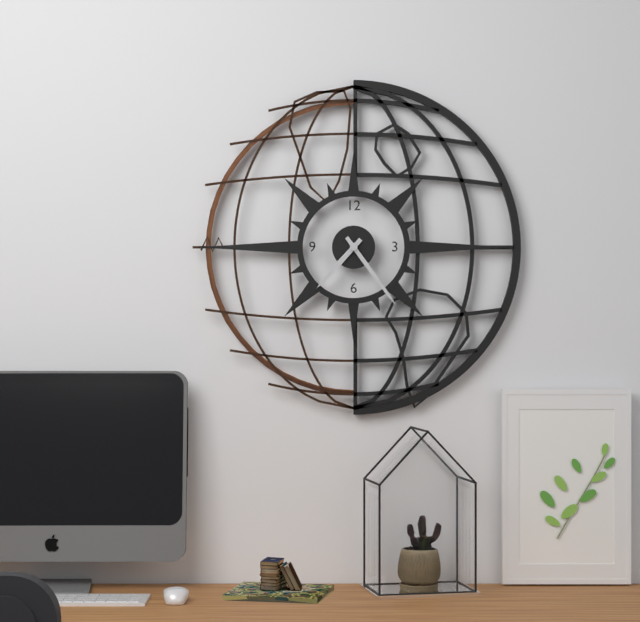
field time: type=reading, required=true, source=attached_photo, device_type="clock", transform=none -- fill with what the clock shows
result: 7:24
